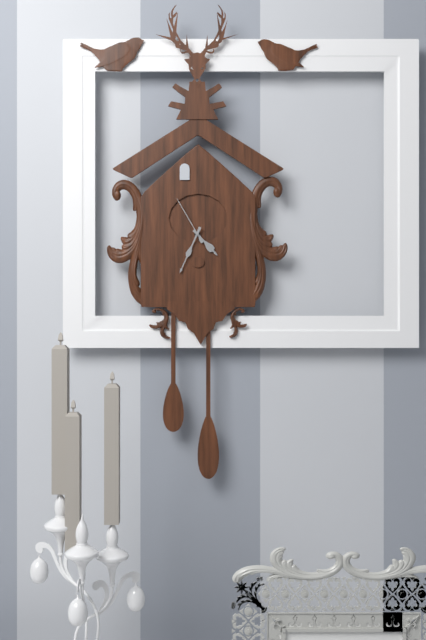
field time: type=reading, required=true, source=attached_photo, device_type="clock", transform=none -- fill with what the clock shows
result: 4:34:55
